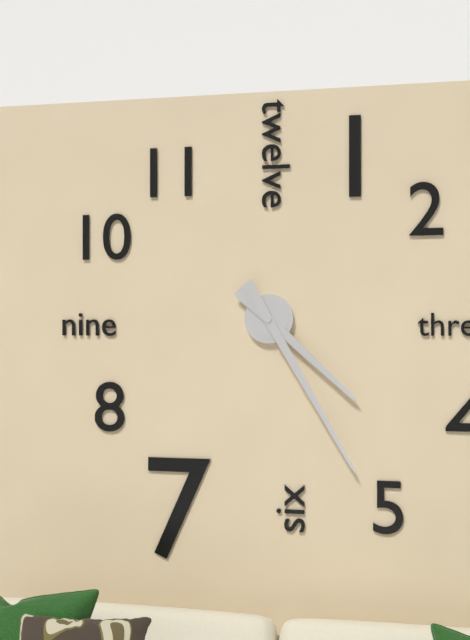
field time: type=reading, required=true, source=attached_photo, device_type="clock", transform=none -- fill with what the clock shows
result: 4:25
